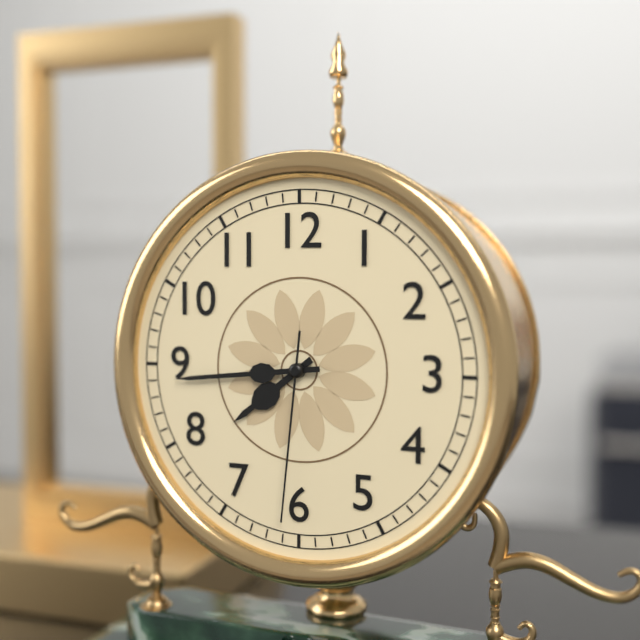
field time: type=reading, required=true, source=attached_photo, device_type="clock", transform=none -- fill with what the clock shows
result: 7:44:31
